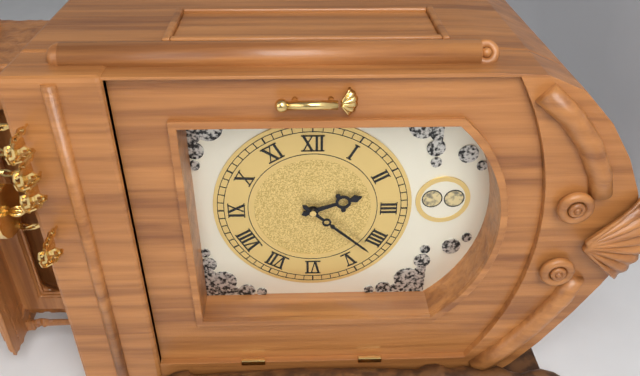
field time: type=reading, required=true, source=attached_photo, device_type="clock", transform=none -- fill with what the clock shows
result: 2:22
